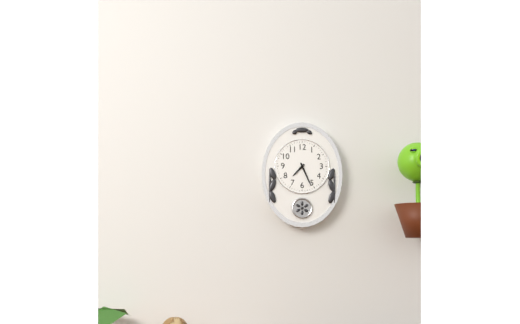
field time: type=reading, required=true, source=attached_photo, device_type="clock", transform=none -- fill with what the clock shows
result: 7:26
